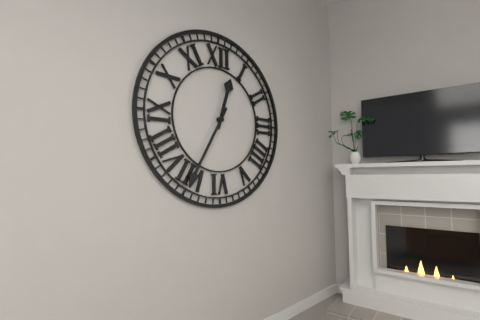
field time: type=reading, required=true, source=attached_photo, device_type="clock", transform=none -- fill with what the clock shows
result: 12:35
